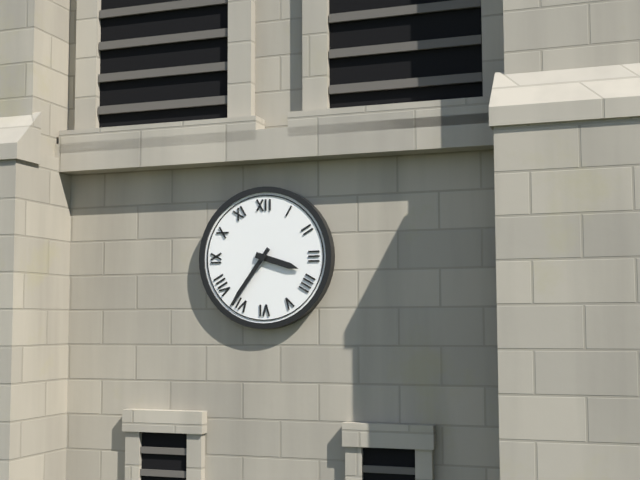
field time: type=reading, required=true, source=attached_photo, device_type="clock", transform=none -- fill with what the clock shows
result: 3:36
